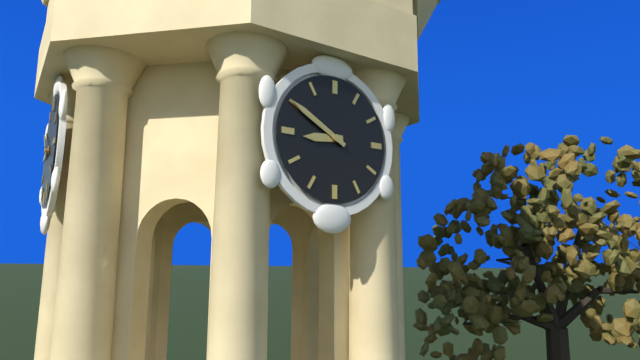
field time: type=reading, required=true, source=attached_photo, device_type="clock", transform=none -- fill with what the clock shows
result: 8:50
